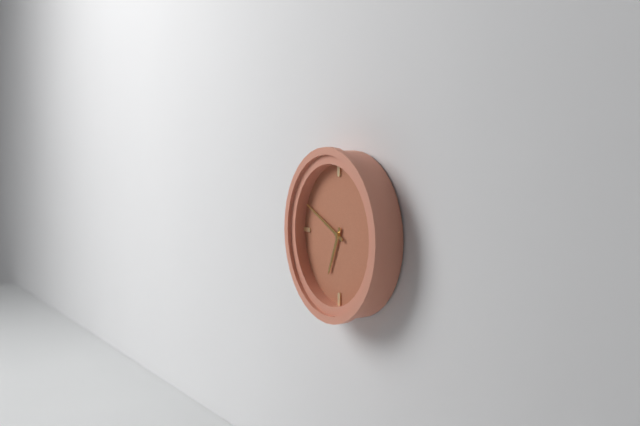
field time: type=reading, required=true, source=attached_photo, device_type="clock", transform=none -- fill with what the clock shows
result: 6:49
